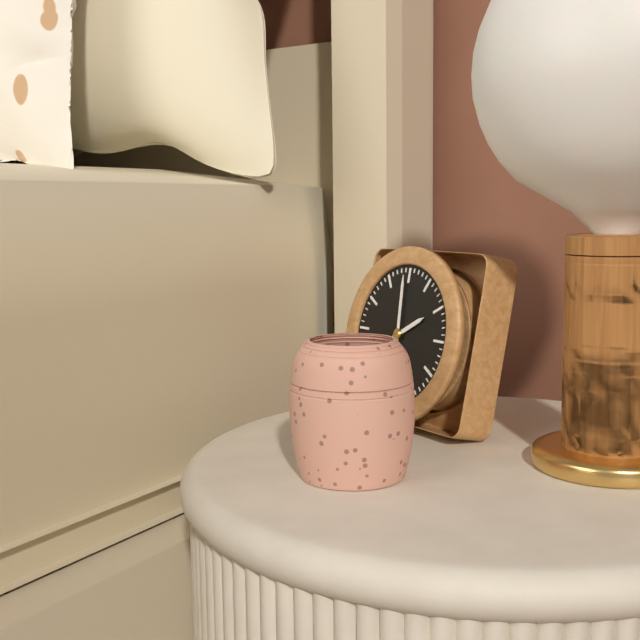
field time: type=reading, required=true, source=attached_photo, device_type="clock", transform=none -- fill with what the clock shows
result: 1:59
